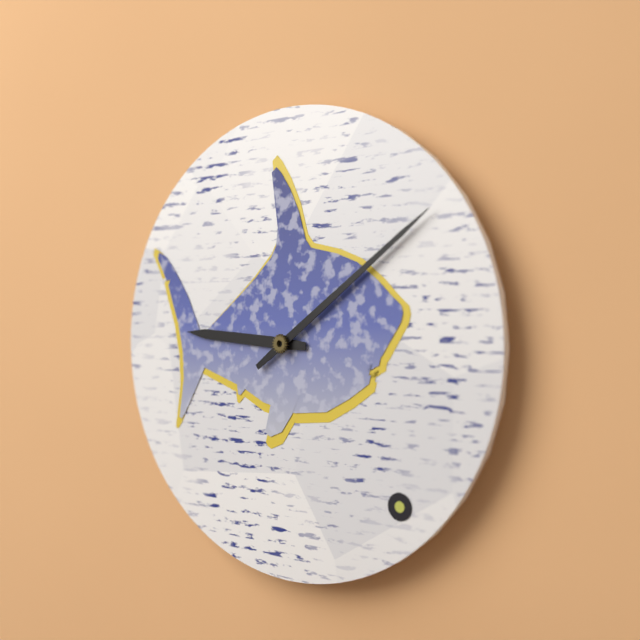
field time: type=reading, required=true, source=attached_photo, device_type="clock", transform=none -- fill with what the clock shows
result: 9:09
